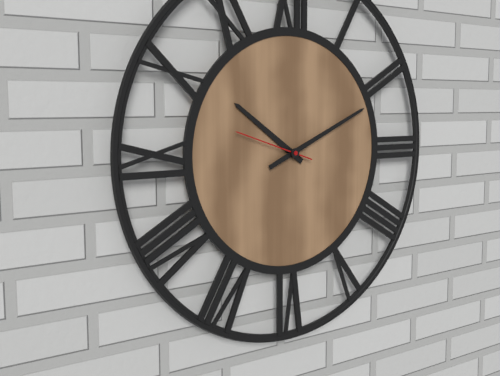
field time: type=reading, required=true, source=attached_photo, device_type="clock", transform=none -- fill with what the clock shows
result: 10:11:48
